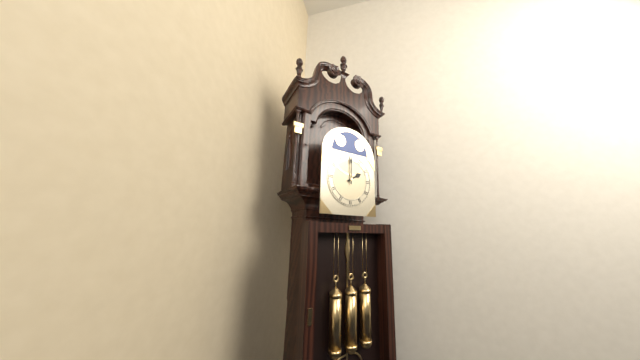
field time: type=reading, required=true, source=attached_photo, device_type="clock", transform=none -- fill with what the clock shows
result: 2:00
